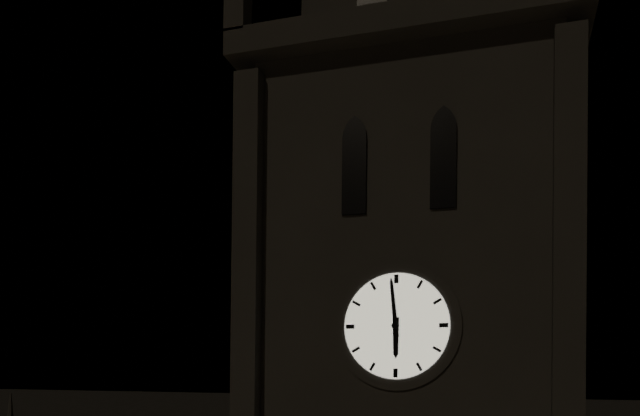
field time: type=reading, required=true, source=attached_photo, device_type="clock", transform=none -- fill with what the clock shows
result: 5:59
